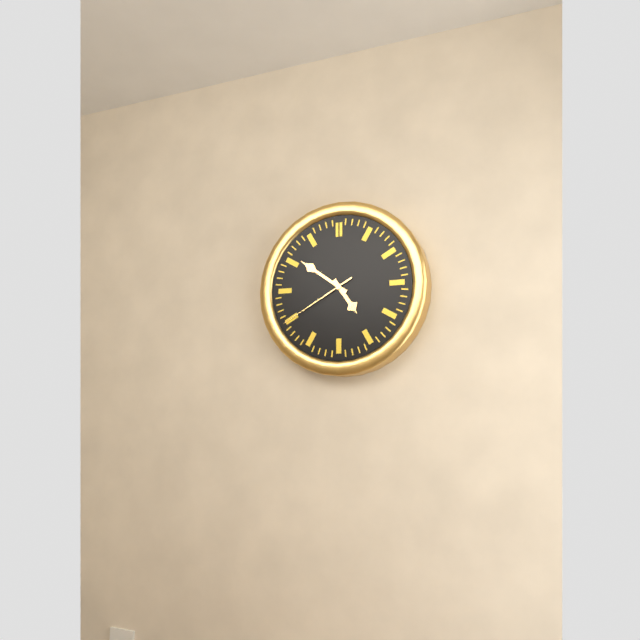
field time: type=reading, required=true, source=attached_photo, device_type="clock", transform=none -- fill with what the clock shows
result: 4:51:40
